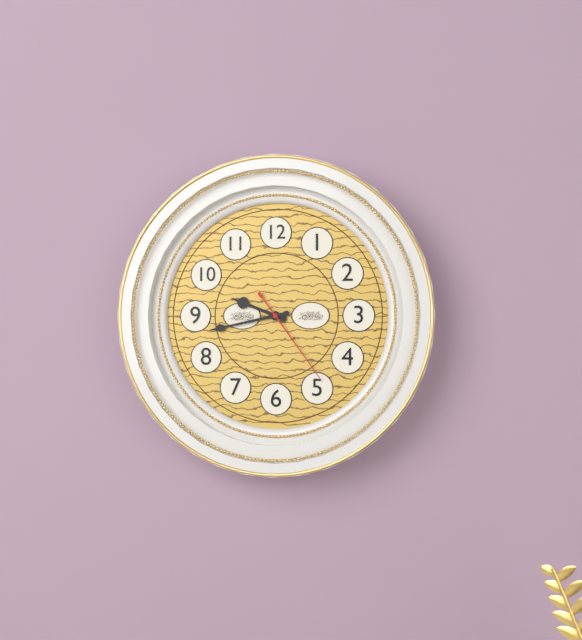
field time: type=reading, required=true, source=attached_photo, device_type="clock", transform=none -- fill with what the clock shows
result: 9:43:24
